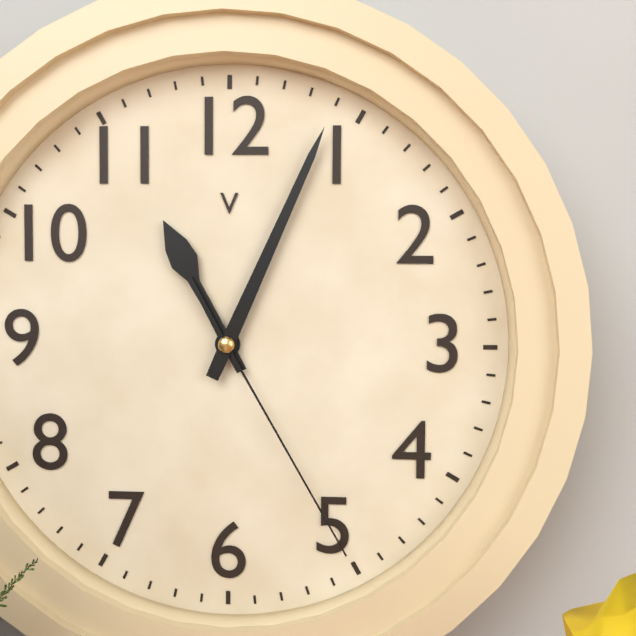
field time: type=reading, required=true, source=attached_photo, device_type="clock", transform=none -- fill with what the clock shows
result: 11:04:25
